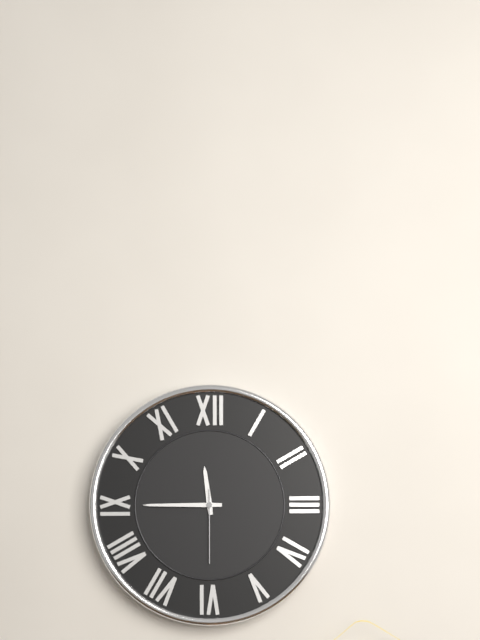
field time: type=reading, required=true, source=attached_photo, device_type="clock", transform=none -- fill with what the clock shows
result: 11:45:30
